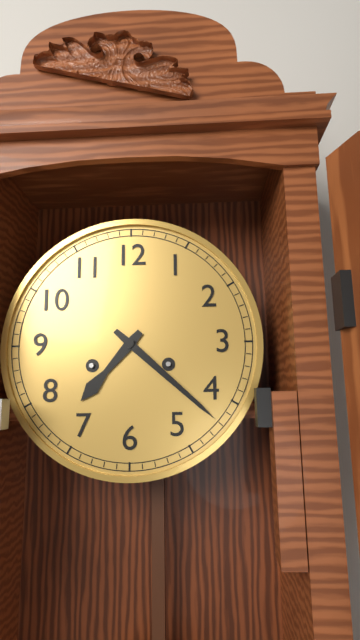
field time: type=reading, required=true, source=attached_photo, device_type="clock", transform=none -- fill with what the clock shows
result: 7:22
